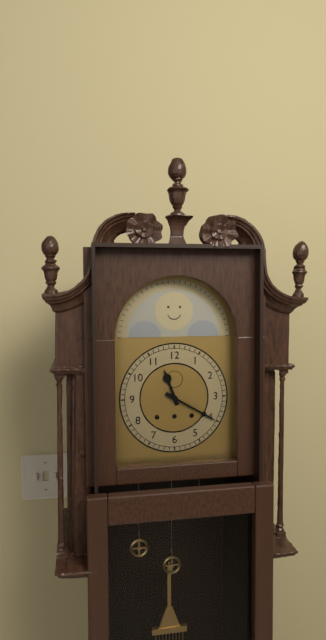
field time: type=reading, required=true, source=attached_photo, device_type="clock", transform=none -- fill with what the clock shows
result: 11:20
